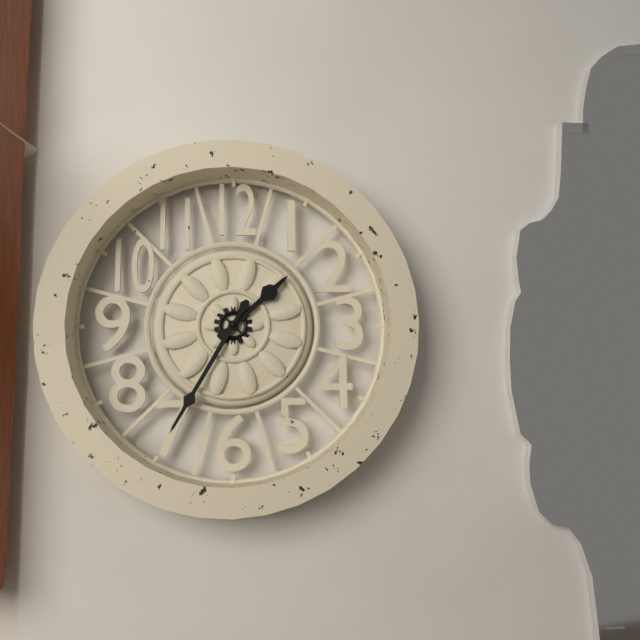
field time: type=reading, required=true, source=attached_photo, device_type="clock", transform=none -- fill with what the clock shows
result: 1:35
